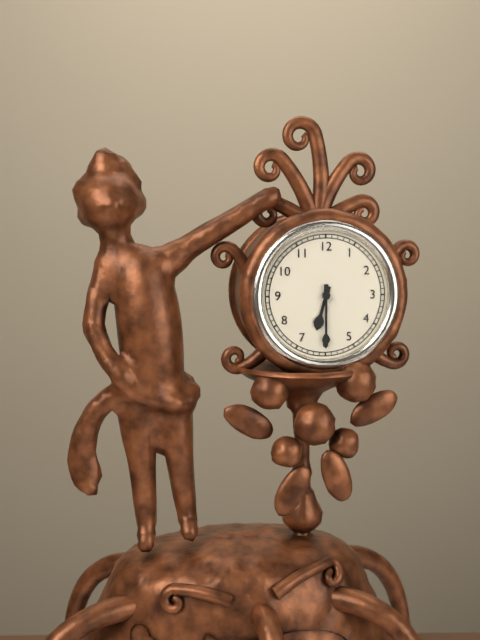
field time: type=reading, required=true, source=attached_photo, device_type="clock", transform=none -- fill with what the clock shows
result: 6:30
